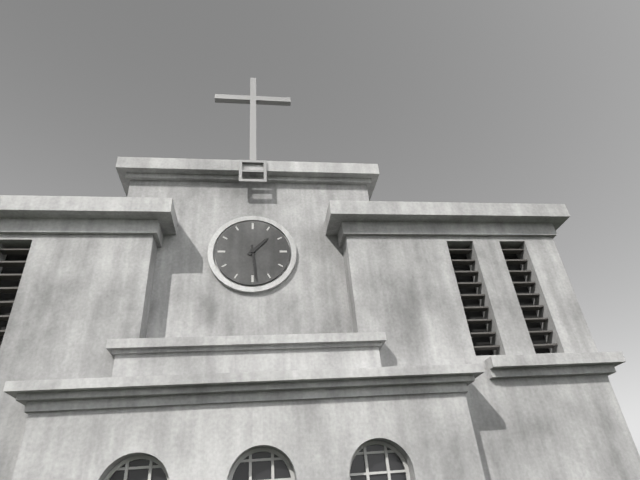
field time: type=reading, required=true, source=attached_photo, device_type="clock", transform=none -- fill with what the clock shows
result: 1:29
